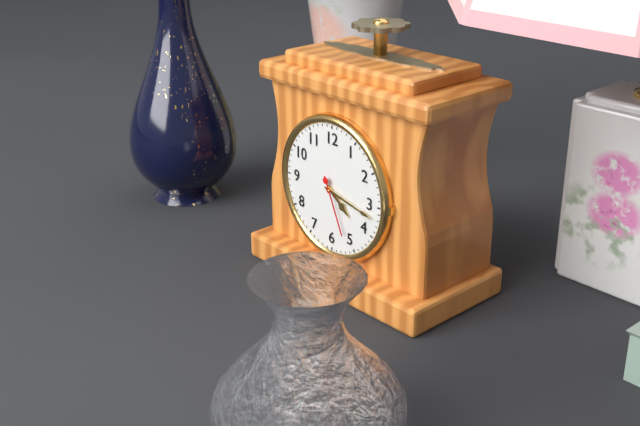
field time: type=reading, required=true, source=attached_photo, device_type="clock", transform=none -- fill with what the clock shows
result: 4:17:26
